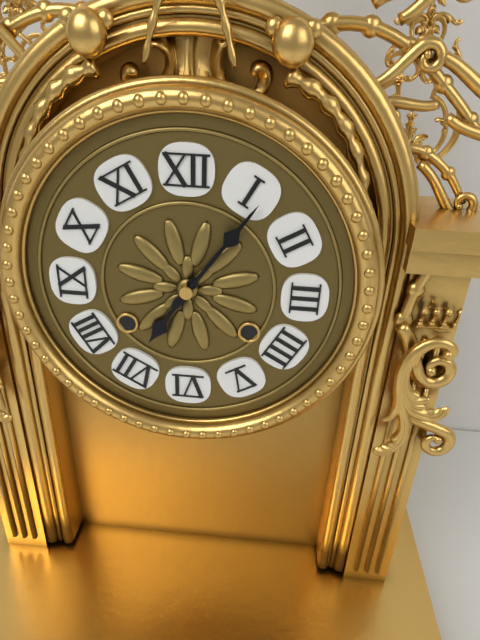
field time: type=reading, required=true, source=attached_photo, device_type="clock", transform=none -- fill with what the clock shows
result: 7:06
